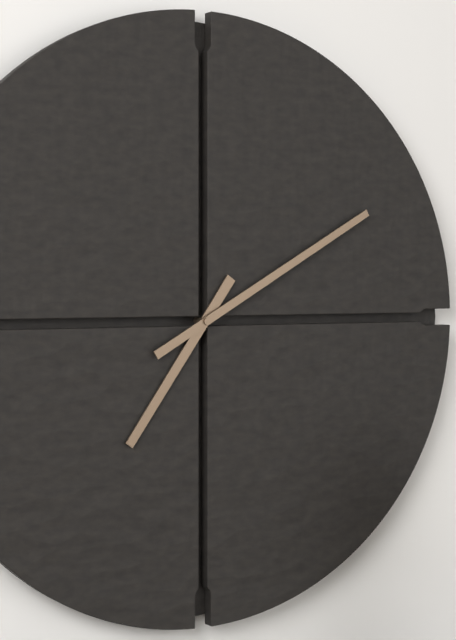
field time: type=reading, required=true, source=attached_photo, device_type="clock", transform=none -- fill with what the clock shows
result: 7:10
